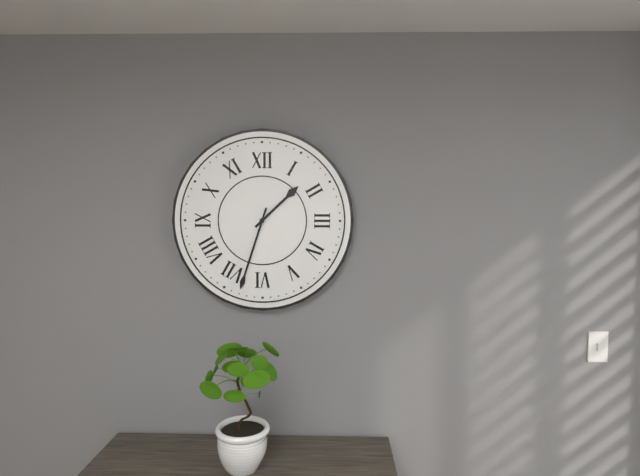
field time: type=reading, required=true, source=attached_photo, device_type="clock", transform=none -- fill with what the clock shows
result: 1:33
